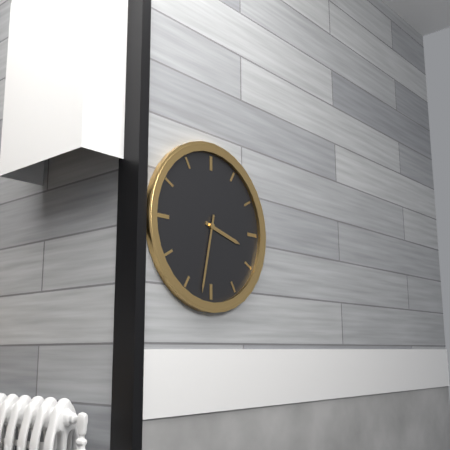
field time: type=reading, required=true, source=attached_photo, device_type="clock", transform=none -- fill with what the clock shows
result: 3:32
